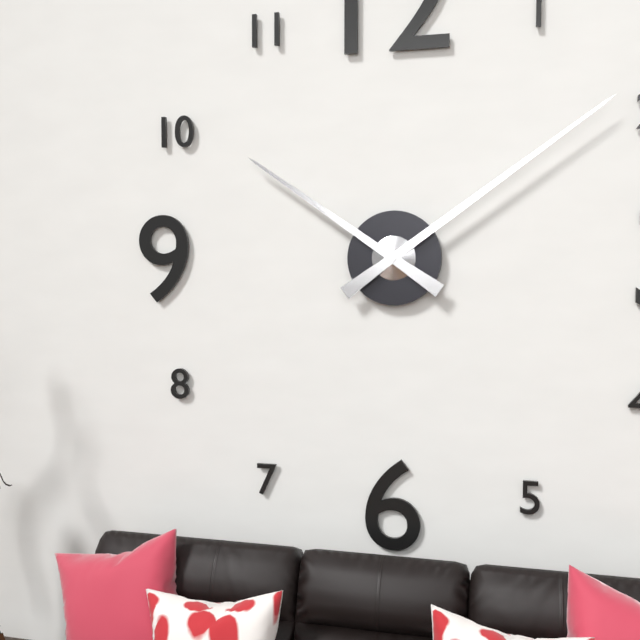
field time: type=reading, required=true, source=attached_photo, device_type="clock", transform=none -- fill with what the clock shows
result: 10:09
